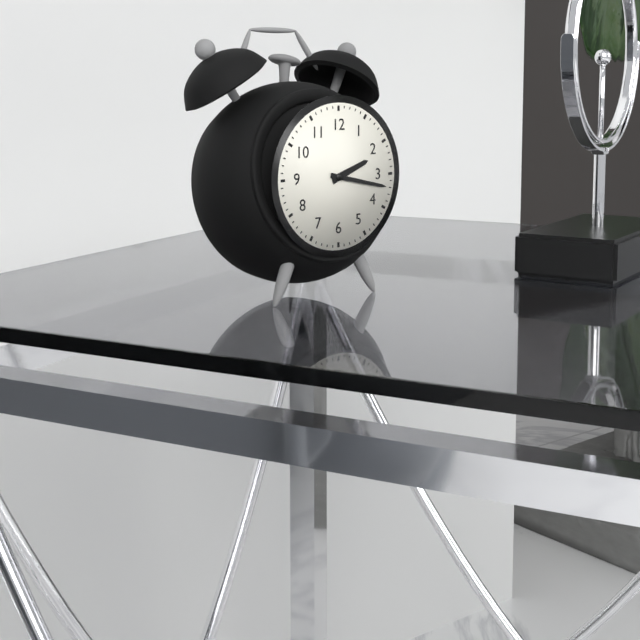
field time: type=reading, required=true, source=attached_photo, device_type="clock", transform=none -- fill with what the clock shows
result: 2:17
